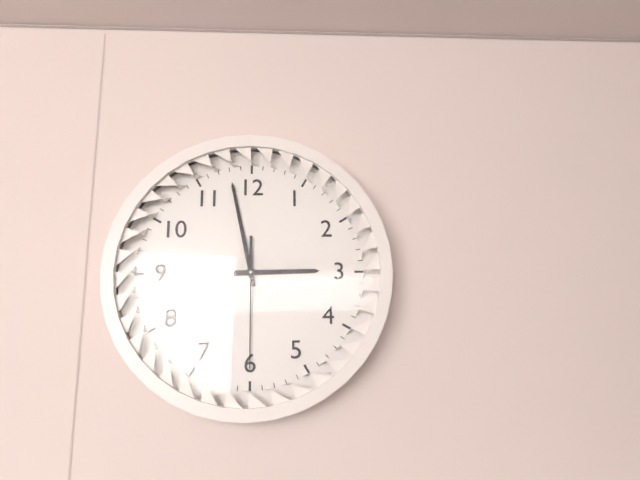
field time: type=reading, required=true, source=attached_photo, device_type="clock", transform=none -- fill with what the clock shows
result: 2:58:30
